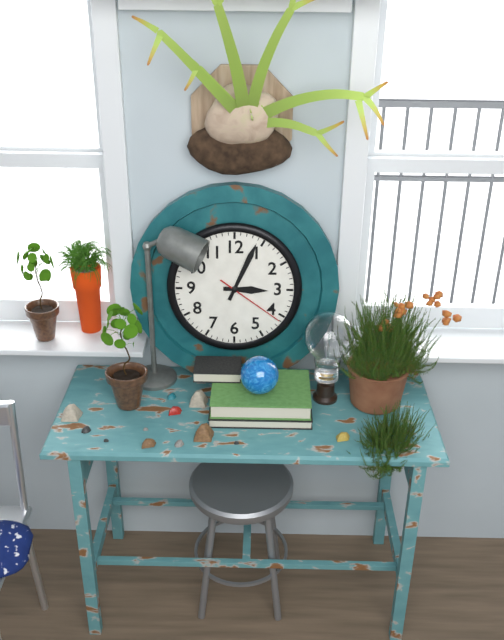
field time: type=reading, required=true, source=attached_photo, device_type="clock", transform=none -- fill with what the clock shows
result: 3:04:21
